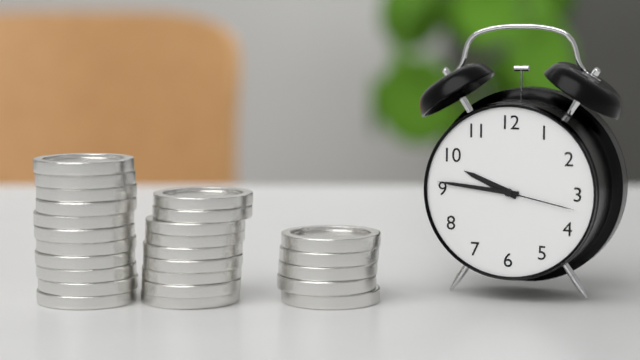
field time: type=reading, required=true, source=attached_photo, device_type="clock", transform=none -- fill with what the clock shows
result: 9:46:17
